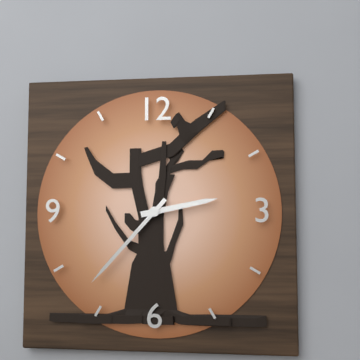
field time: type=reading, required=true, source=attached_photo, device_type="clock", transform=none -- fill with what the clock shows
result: 2:37
